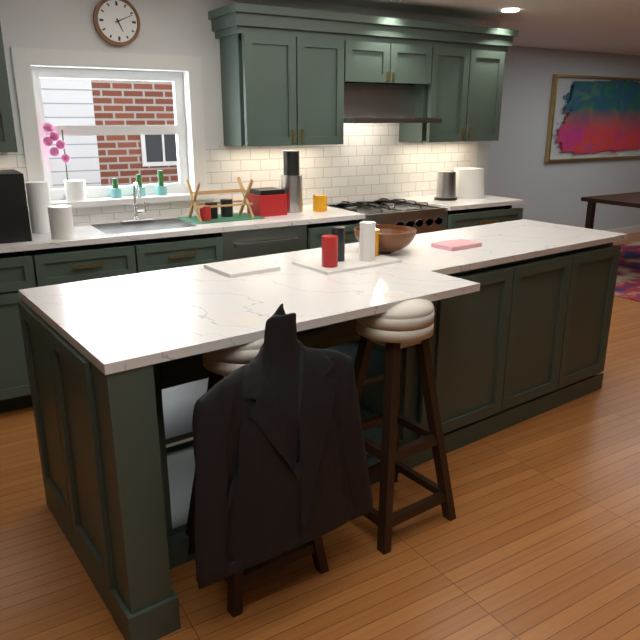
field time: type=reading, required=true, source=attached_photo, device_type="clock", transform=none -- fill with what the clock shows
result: 5:11
